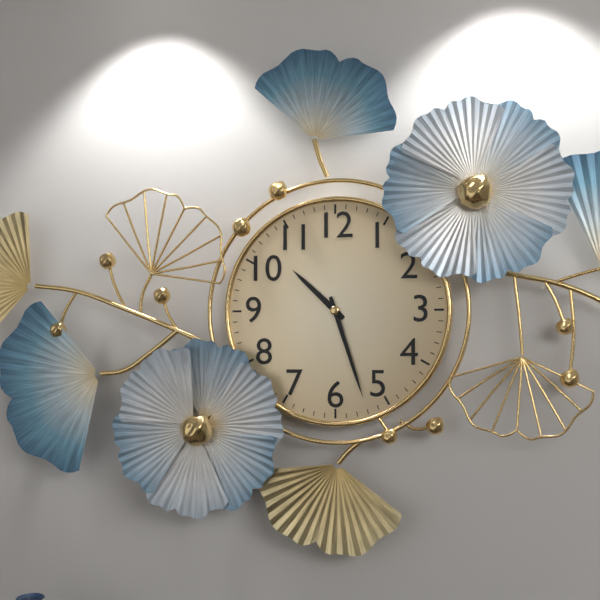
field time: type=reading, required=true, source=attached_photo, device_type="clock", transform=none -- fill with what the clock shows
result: 10:27
